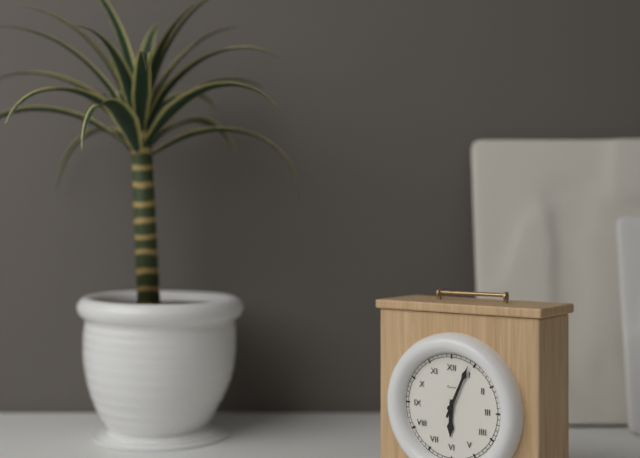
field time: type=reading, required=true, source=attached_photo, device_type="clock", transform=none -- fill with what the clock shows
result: 6:04
